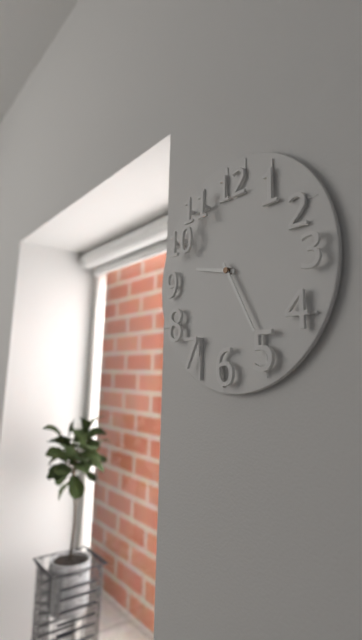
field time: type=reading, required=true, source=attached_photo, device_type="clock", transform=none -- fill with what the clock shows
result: 9:25
